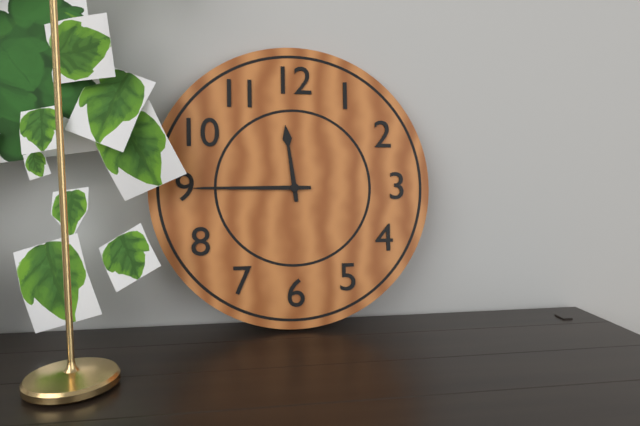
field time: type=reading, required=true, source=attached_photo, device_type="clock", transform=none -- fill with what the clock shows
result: 11:45
